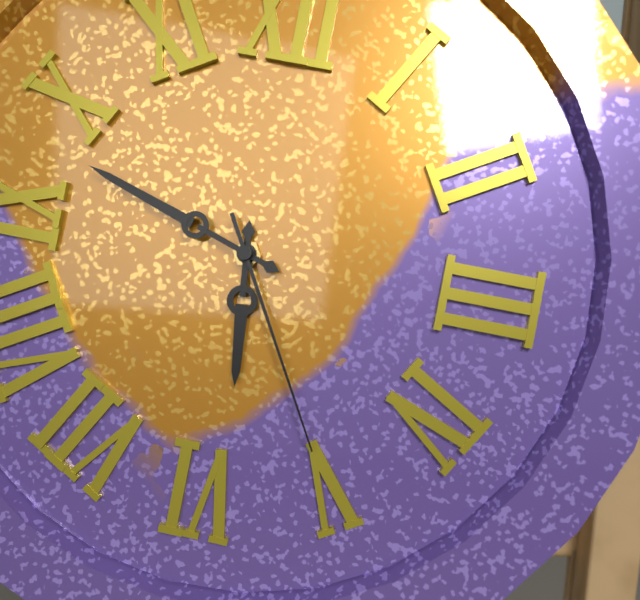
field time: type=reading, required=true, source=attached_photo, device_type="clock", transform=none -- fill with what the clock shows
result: 5:48:25
